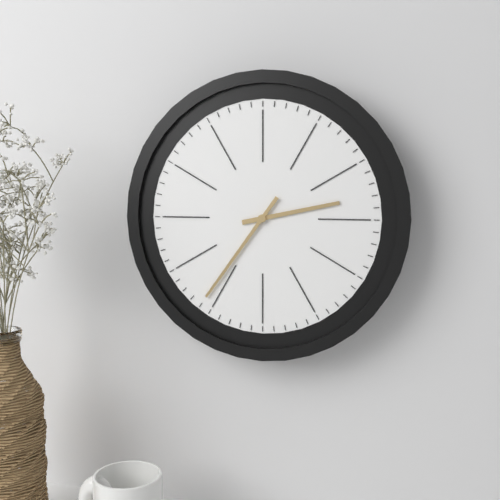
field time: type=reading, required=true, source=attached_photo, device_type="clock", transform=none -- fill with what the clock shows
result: 2:36
